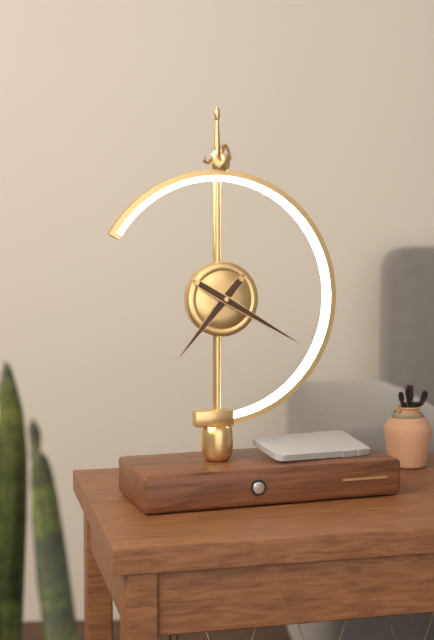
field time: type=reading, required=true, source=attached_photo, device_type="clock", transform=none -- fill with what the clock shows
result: 7:20
